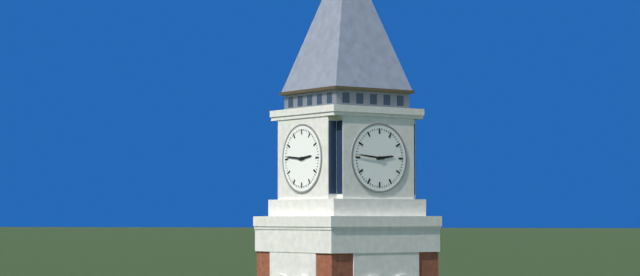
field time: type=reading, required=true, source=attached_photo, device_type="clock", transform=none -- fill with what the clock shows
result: 2:46
